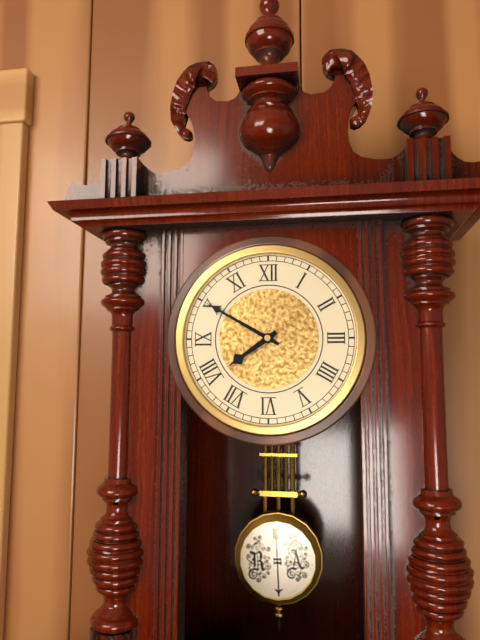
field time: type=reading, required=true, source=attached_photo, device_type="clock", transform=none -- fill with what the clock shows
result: 7:50
